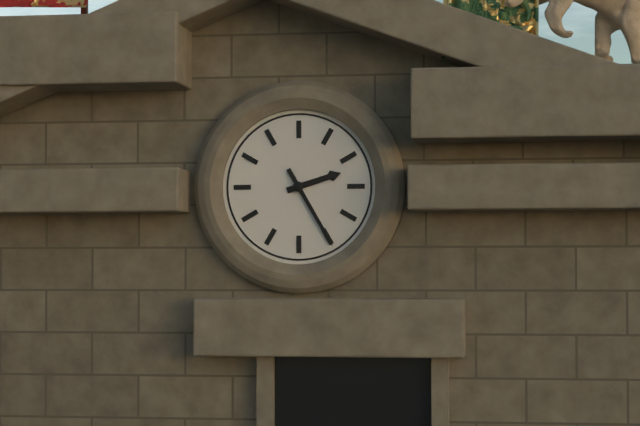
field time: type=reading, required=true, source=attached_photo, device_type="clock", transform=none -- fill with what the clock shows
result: 2:25
